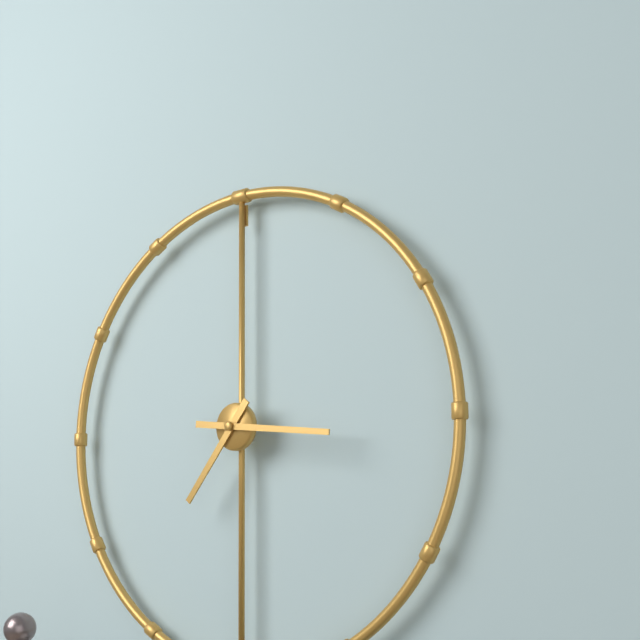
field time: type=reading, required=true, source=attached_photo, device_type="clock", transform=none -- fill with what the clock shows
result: 7:16
